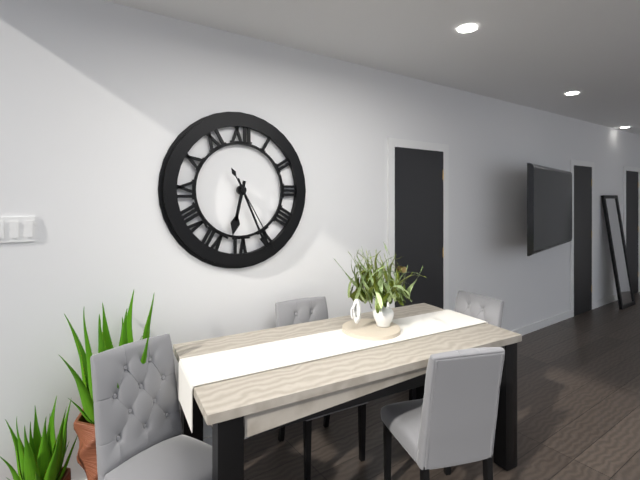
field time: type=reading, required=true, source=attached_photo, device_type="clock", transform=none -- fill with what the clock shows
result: 6:26:25
